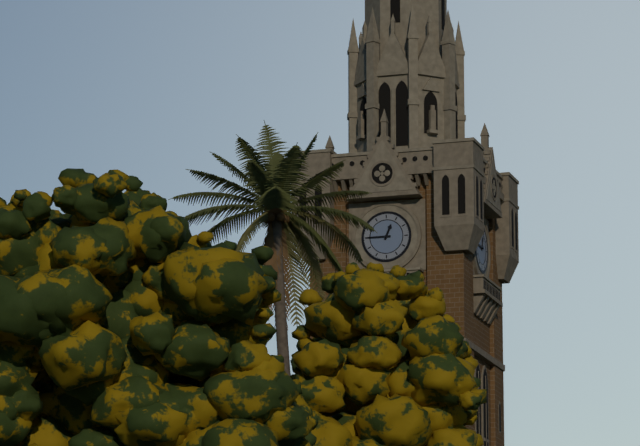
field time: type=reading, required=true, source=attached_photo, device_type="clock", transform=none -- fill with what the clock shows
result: 12:45
